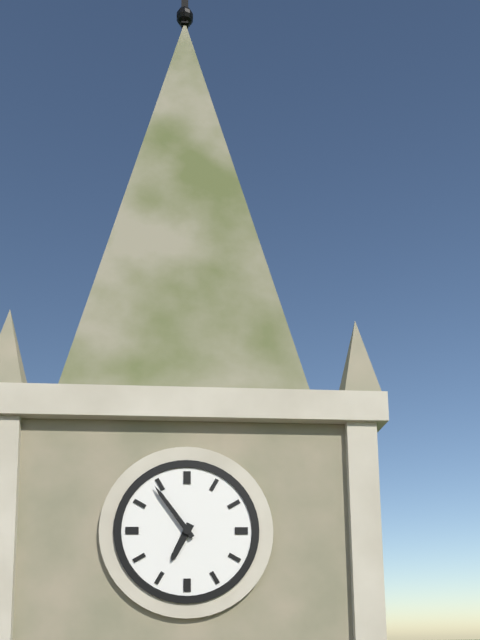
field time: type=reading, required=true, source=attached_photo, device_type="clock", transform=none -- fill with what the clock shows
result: 6:54
